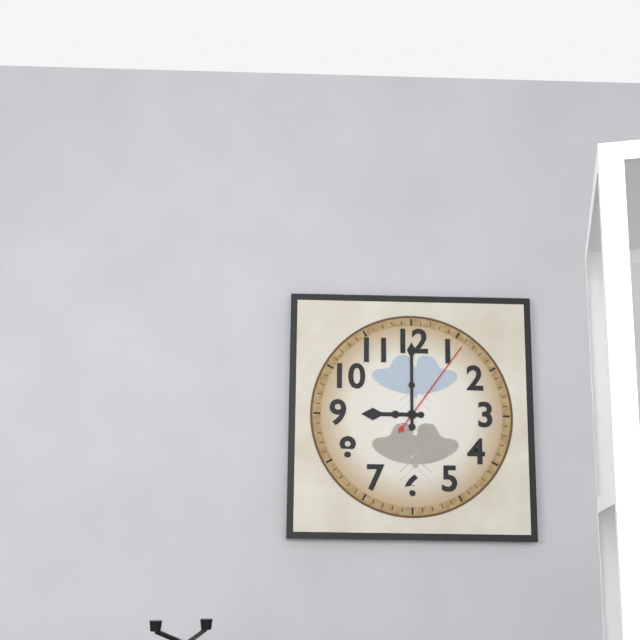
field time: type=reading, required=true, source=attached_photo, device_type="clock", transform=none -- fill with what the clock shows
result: 9:00:06
